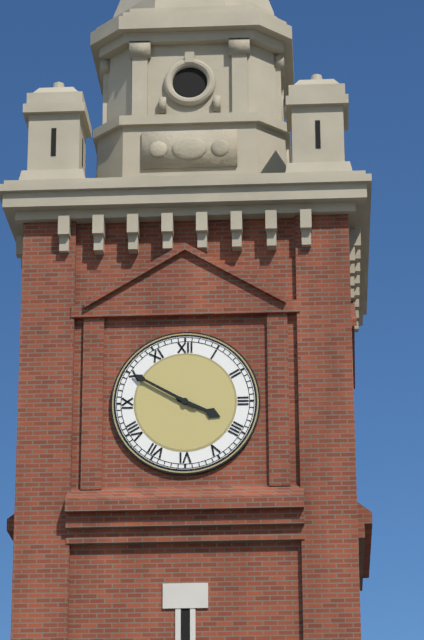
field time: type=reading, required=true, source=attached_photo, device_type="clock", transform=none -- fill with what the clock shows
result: 3:50
